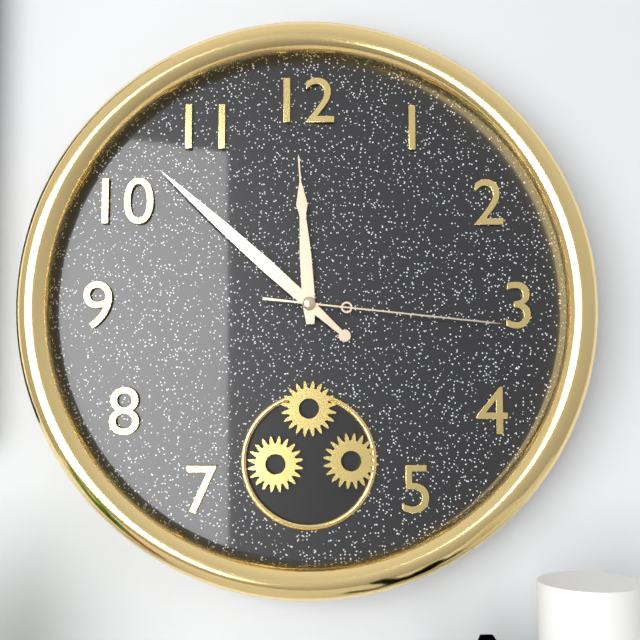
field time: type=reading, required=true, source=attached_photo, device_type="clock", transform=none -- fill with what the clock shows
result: 11:52:16
